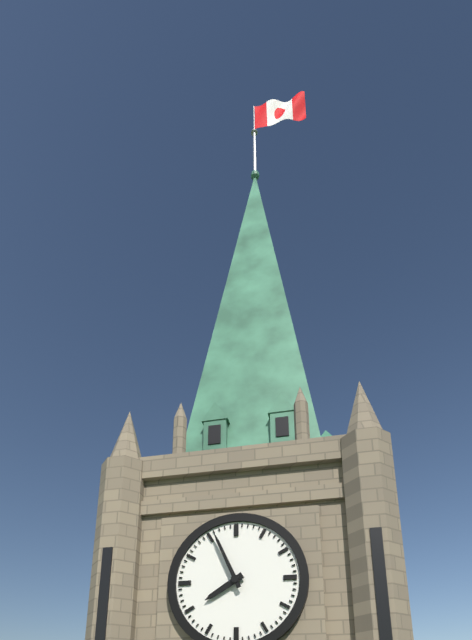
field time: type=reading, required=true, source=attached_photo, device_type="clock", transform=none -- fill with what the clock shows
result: 7:56
